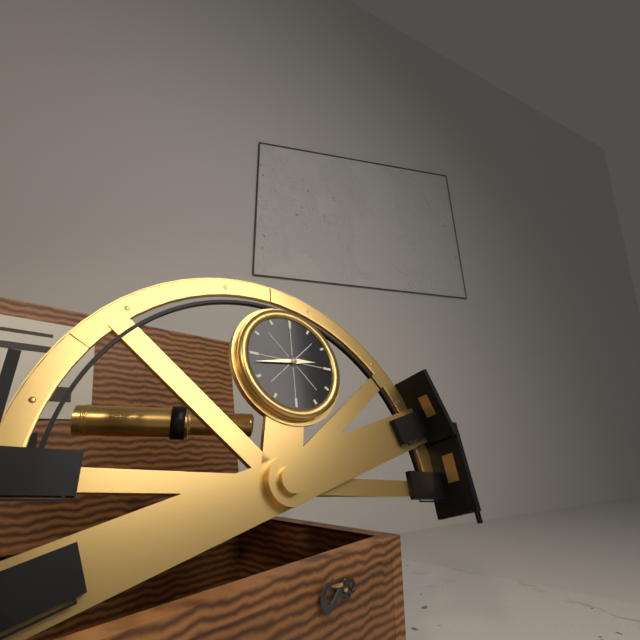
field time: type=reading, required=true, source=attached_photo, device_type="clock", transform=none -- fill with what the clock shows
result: 2:43
